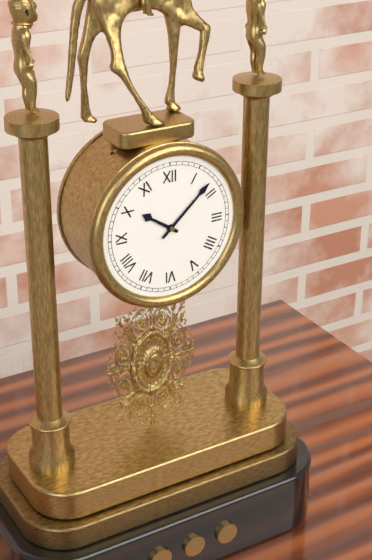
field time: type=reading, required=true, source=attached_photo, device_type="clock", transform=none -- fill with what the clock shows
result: 10:08
